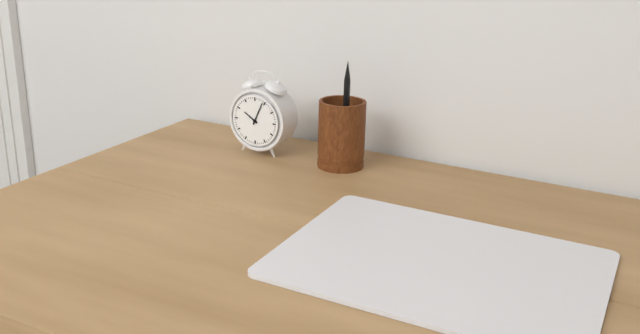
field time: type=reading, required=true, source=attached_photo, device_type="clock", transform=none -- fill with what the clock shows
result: 10:04
